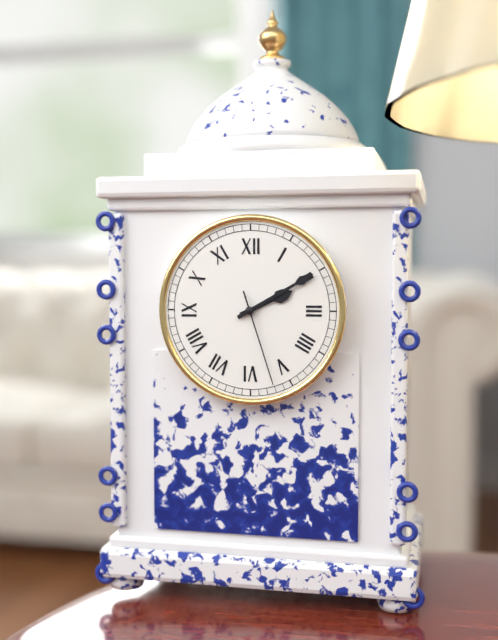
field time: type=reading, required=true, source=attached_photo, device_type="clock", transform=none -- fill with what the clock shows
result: 2:10:27
